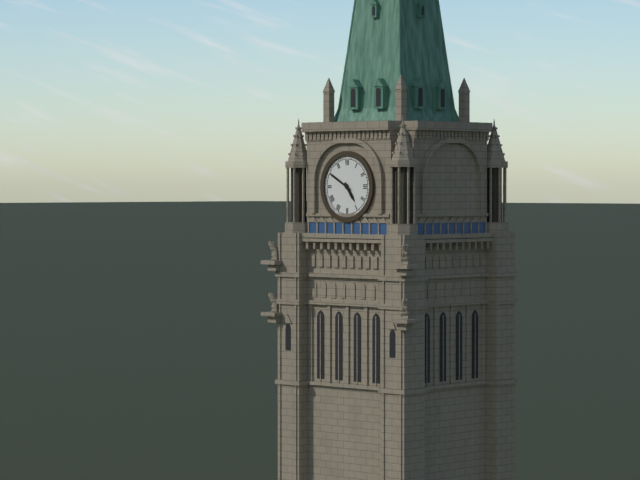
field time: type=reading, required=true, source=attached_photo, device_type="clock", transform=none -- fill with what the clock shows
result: 4:50
